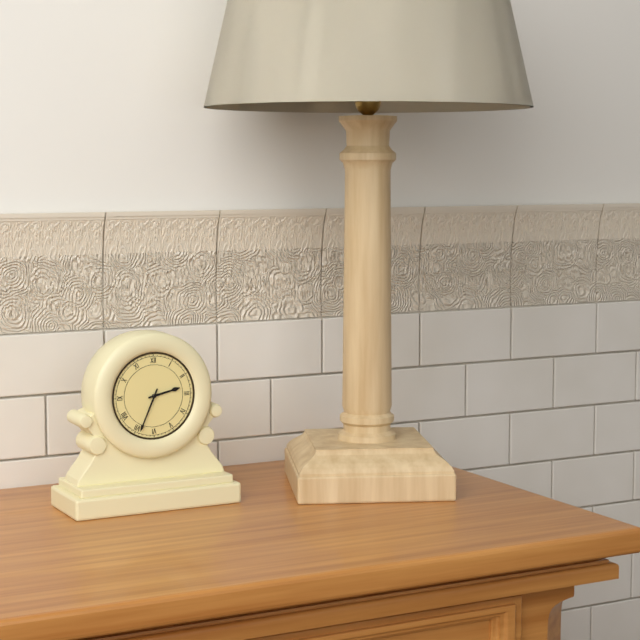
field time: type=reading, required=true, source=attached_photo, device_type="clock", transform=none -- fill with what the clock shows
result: 2:34
